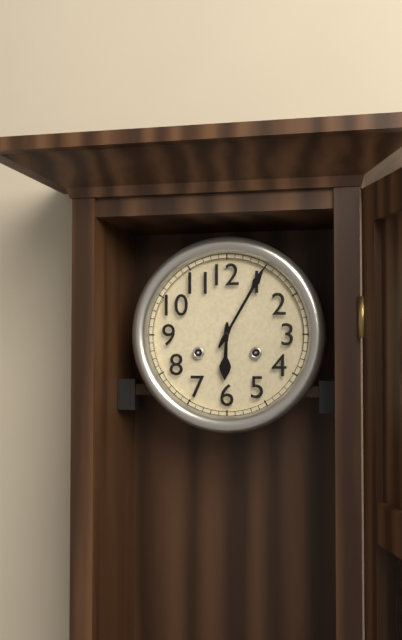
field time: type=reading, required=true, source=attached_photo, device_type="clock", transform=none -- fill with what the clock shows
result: 6:05
